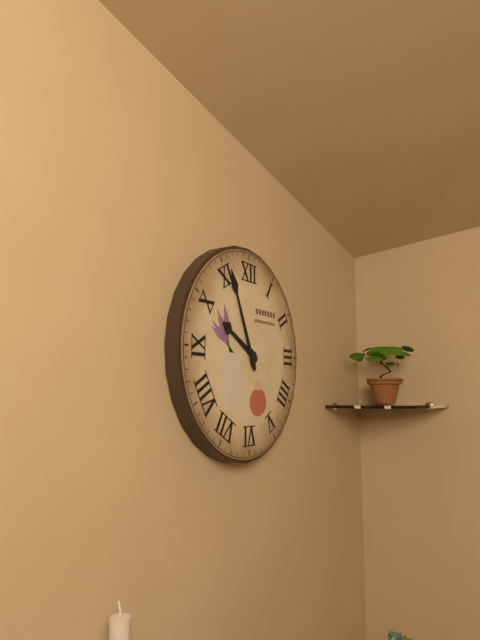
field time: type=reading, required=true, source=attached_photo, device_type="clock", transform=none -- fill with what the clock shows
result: 9:56
